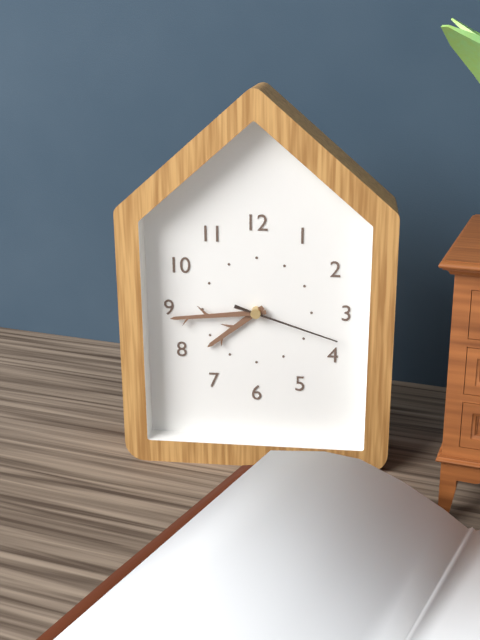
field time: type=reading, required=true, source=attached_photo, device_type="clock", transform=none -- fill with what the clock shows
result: 7:44:18
